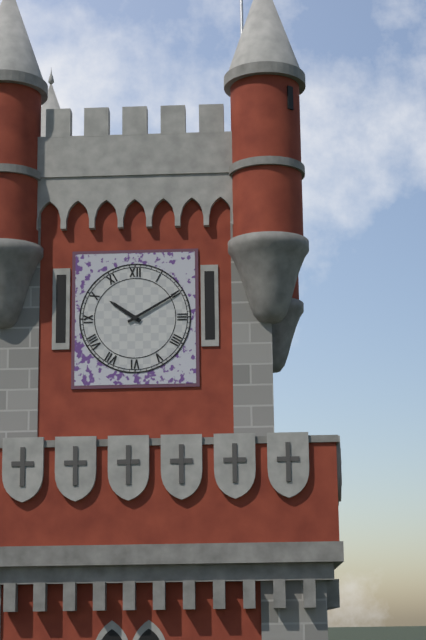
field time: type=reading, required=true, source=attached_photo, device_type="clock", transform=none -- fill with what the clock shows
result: 10:10
